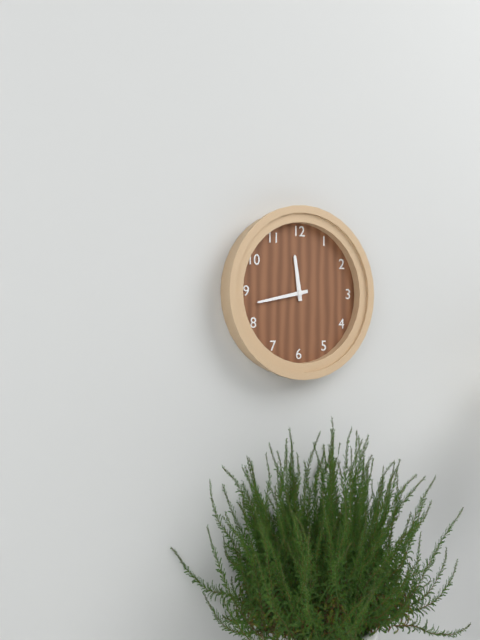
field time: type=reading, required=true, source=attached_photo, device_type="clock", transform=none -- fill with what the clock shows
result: 11:43
